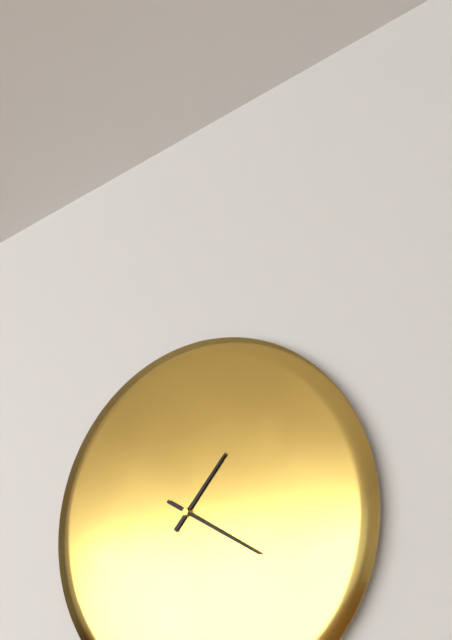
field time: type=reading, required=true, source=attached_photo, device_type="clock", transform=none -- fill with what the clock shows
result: 1:20
